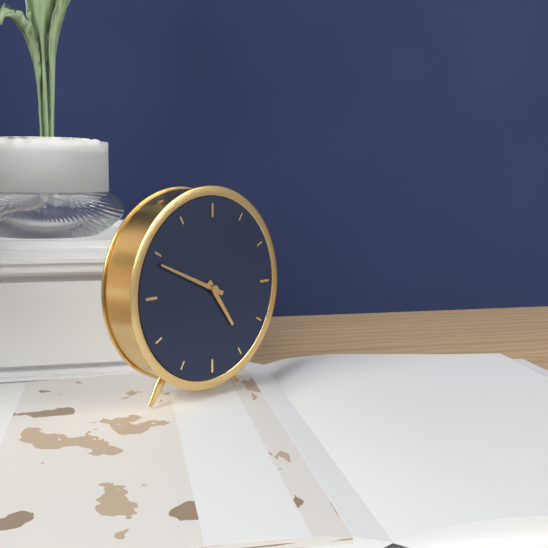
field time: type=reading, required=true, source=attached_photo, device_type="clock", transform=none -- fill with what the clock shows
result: 4:49
